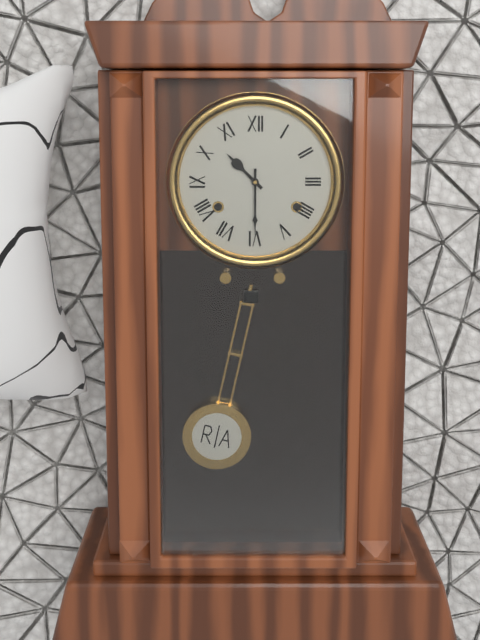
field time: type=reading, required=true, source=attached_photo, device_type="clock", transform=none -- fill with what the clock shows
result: 10:30
